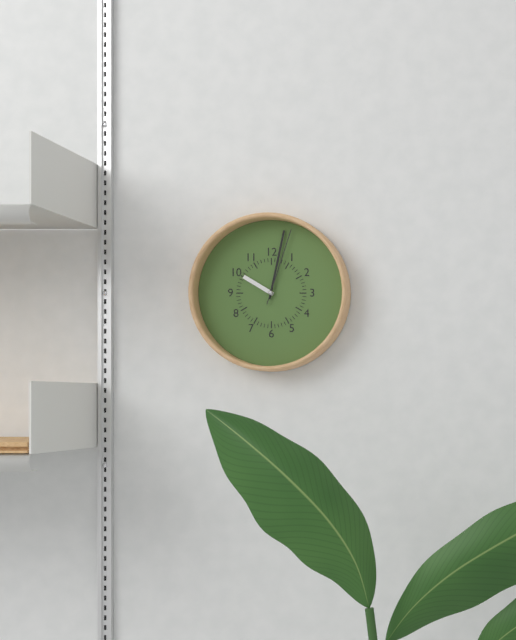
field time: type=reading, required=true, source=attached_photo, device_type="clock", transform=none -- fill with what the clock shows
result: 10:02:03
